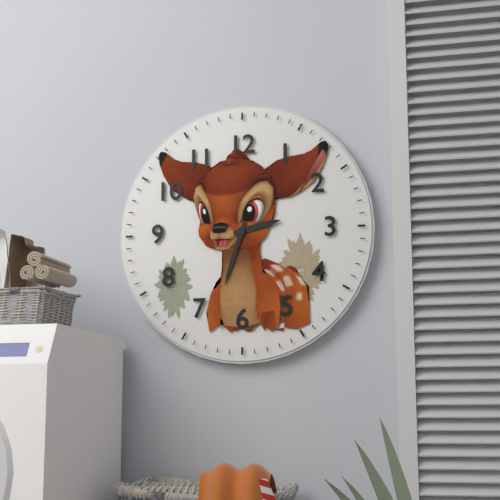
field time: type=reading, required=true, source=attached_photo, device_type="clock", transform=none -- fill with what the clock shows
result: 2:33
